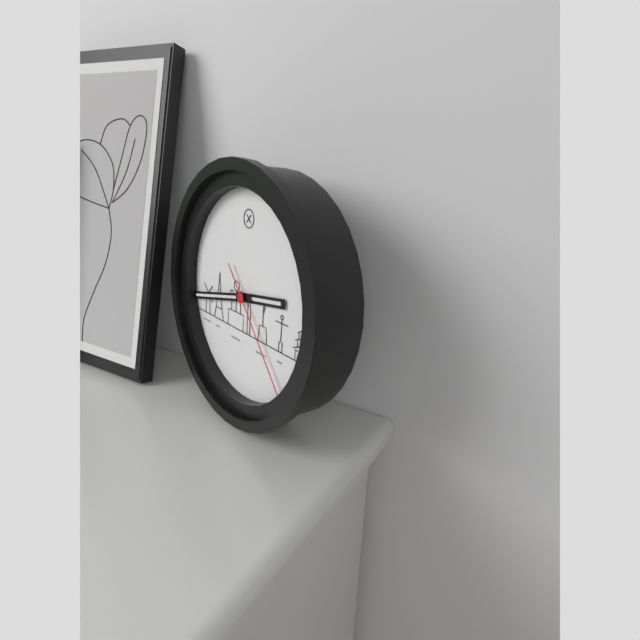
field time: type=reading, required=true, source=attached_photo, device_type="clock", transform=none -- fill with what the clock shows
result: 2:43:23
